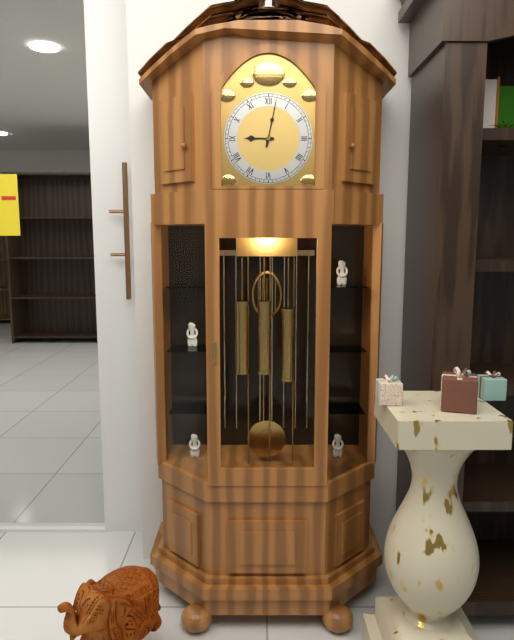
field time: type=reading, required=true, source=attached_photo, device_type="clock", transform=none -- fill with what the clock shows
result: 9:02
